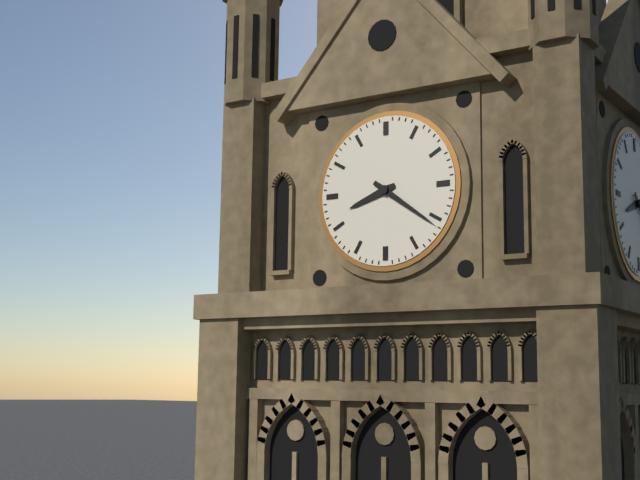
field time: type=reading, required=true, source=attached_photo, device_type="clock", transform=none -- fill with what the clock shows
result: 8:21
